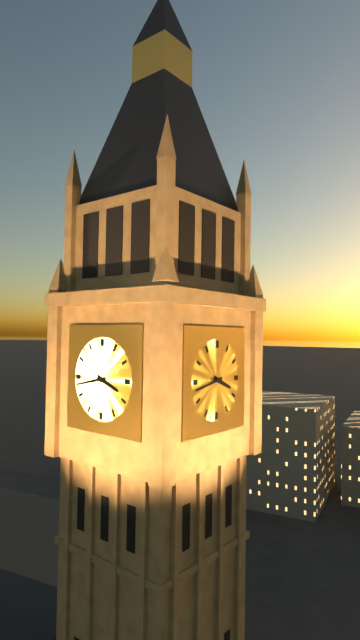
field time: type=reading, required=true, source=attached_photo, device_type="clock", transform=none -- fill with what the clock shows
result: 3:43
